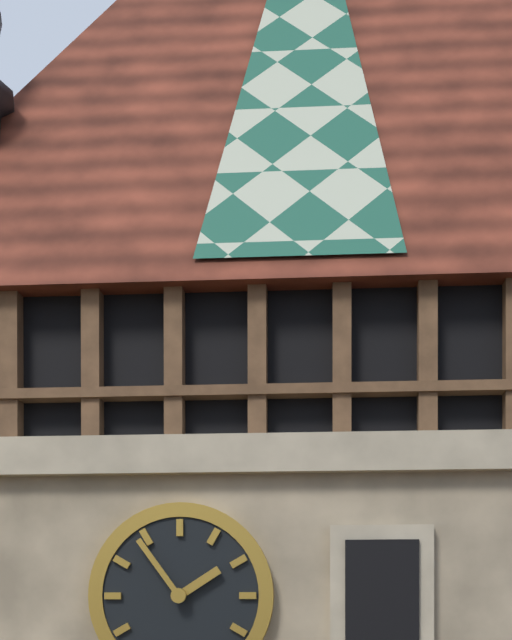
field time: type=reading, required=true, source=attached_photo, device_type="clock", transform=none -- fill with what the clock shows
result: 1:54
